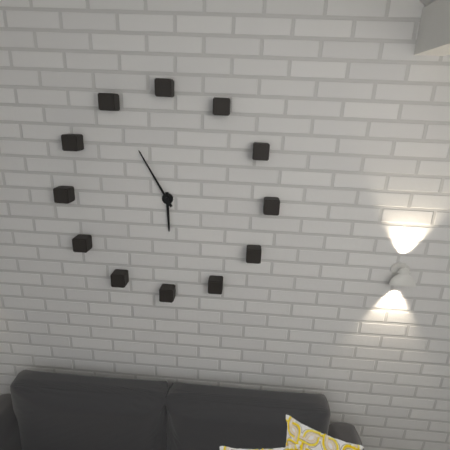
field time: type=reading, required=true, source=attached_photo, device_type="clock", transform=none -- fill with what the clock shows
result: 5:55
